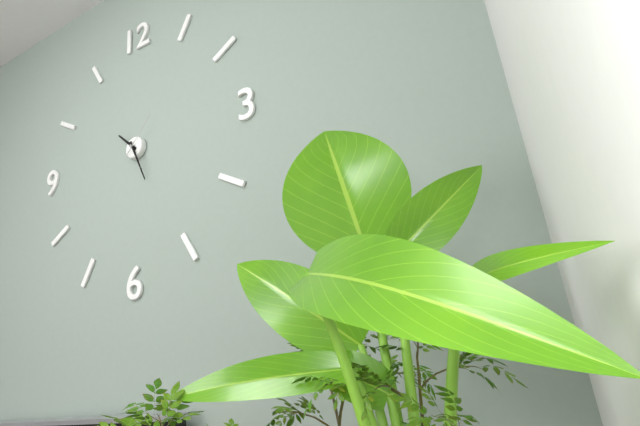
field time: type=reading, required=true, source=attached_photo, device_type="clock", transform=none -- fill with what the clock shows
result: 10:26
